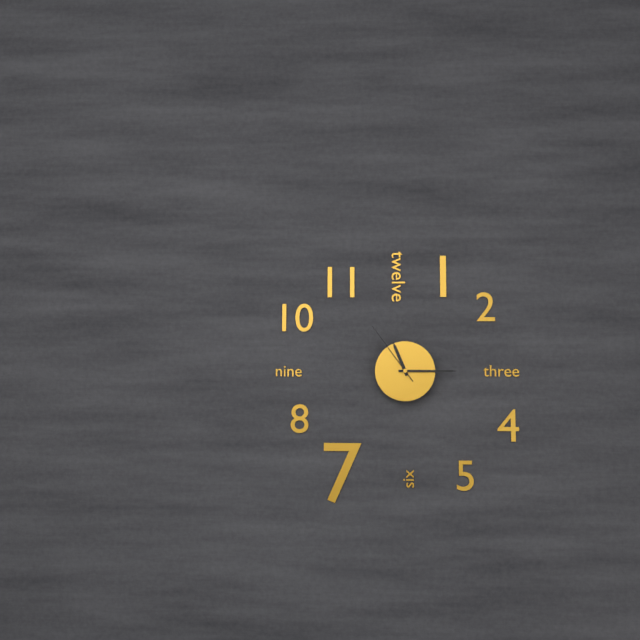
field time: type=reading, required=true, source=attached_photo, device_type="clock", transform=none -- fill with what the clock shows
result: 11:15:54
